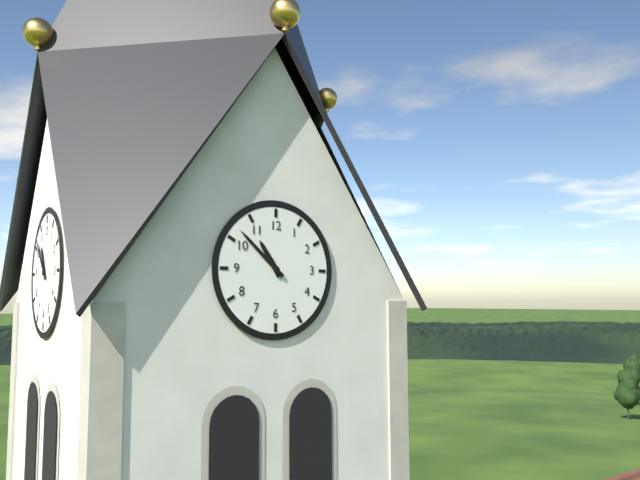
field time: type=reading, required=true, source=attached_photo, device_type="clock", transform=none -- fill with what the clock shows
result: 10:52
